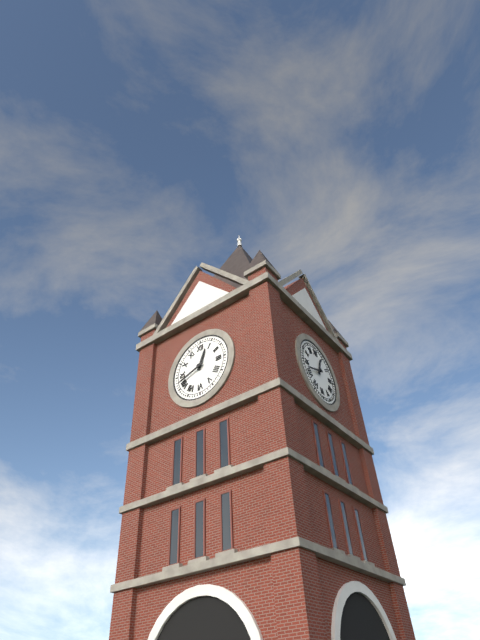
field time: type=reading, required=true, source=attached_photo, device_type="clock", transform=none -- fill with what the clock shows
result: 12:42
